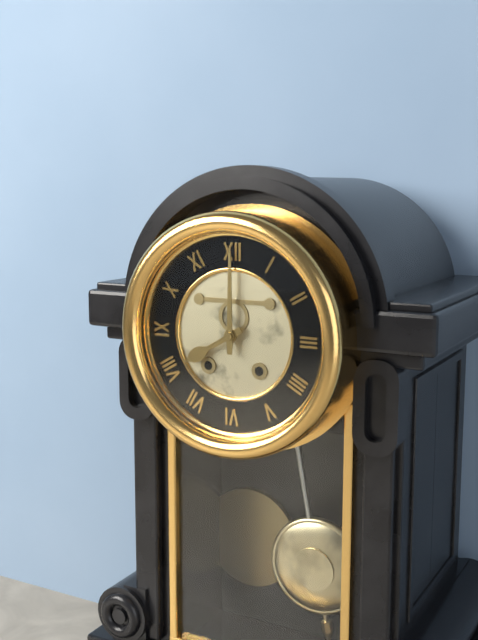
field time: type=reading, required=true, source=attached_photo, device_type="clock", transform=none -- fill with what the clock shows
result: 8:00
